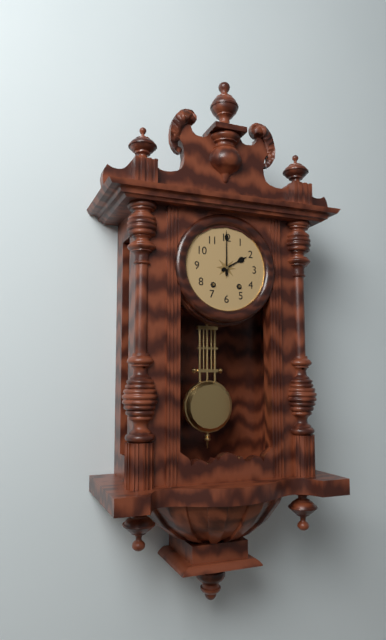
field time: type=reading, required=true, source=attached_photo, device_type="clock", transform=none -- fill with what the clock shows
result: 2:00
